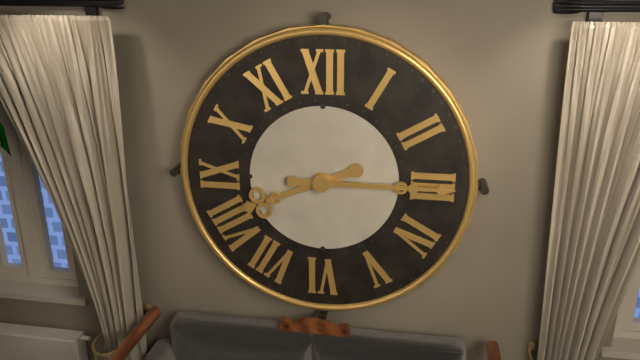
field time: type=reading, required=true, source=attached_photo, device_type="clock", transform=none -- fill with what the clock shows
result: 8:15
